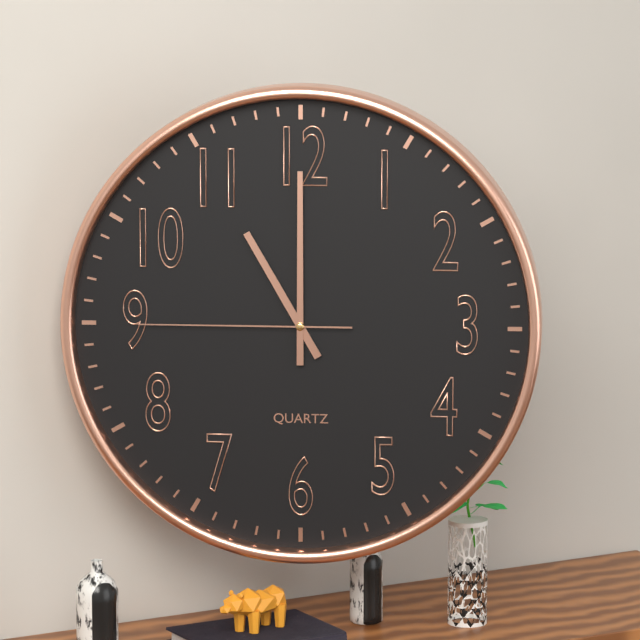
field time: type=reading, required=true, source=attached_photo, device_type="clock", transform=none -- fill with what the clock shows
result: 11:00:45
